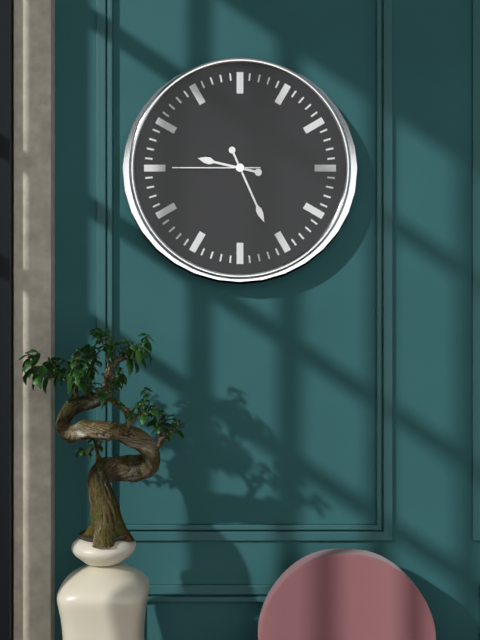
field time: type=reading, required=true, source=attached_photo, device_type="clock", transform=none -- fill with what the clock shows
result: 9:26:45
